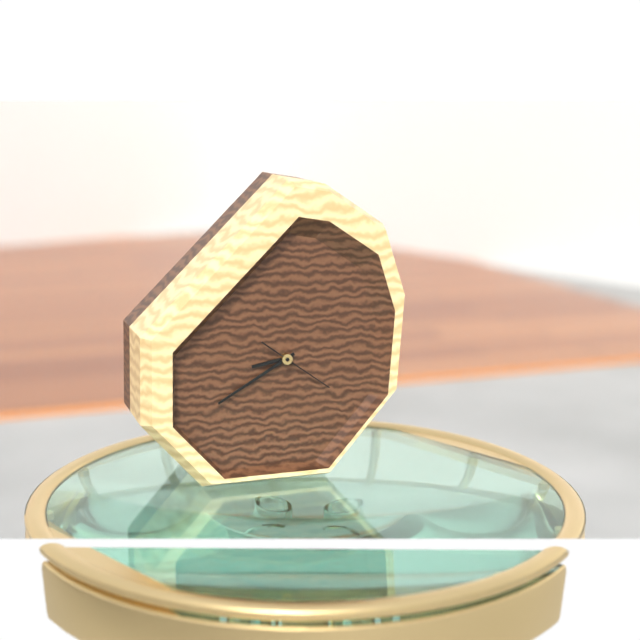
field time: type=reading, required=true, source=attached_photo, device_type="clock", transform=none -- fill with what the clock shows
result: 8:40:21
